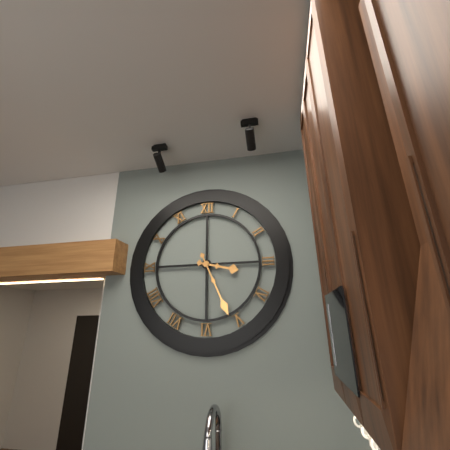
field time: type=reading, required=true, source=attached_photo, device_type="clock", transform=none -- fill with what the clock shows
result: 3:26
